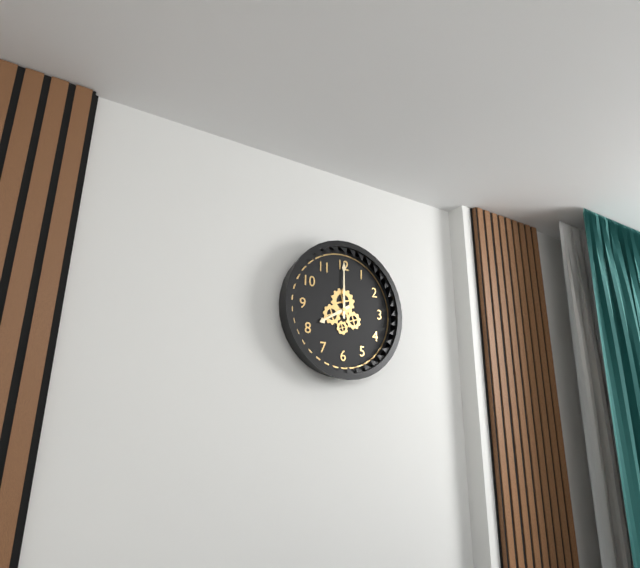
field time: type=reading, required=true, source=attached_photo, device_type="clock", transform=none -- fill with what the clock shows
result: 8:00
